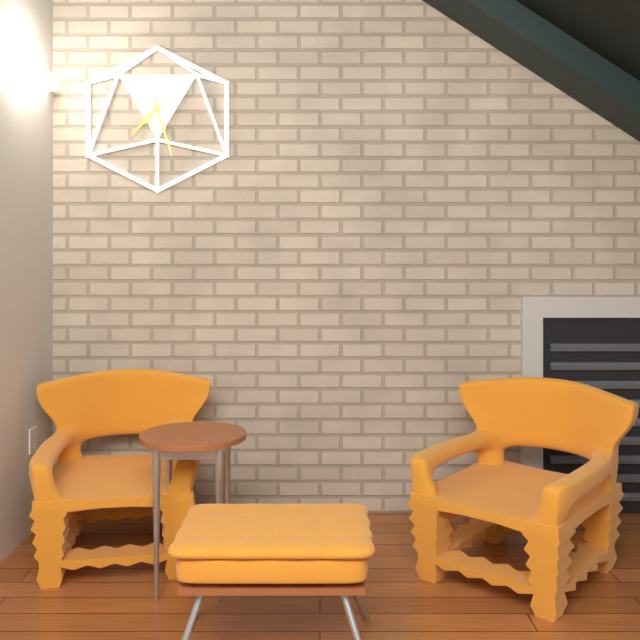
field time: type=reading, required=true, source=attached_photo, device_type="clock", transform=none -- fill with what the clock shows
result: 7:27
